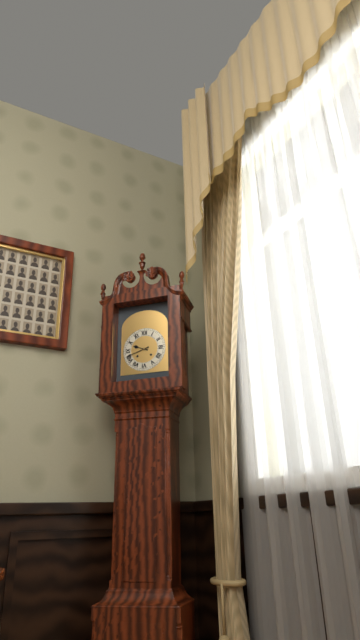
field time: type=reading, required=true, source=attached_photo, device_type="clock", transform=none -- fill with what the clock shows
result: 9:42
